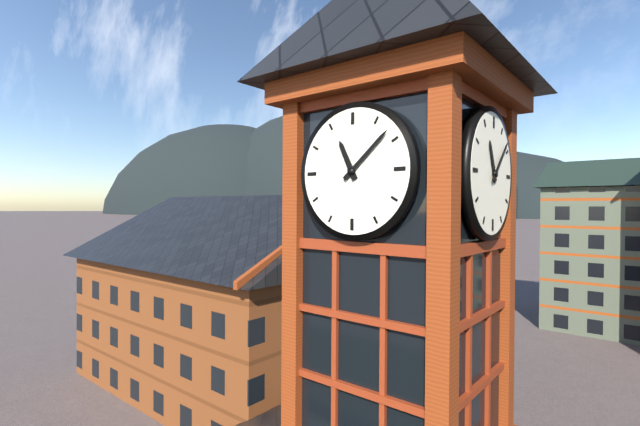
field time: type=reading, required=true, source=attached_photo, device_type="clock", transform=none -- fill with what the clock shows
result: 11:08
